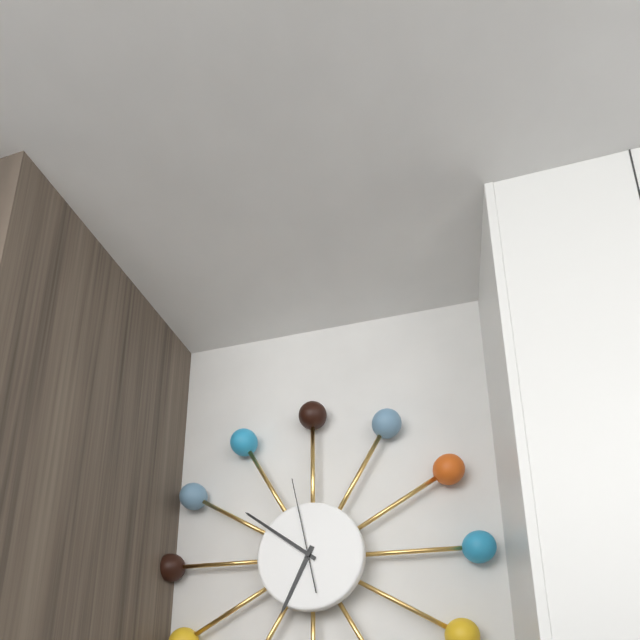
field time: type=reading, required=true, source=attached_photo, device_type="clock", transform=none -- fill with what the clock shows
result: 6:51:58
